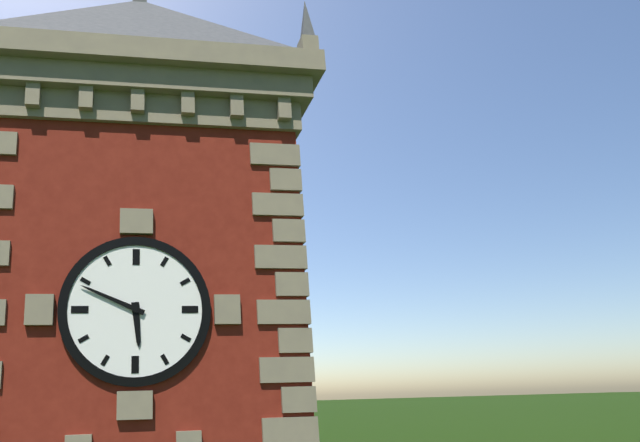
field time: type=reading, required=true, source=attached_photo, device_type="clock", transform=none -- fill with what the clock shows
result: 5:49
